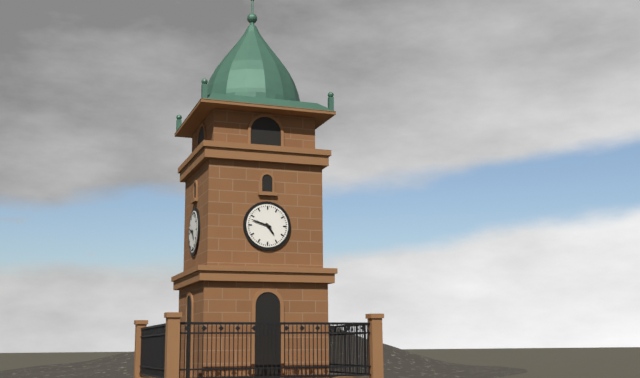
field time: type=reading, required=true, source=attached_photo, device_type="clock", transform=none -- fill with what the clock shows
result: 4:48
